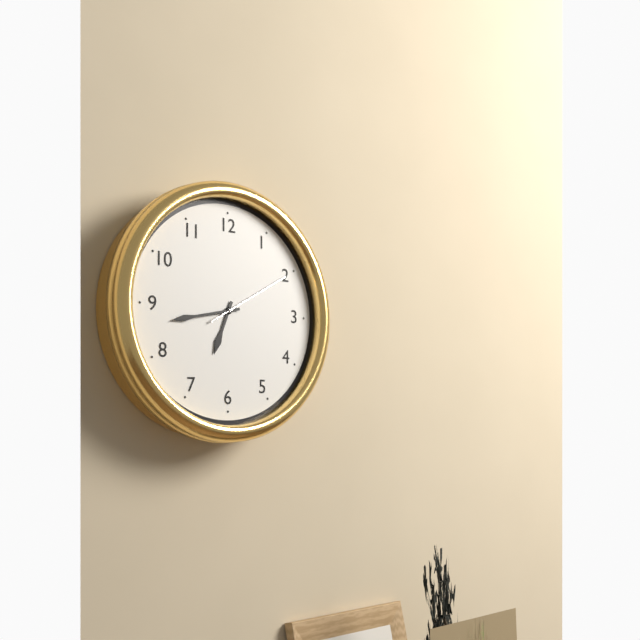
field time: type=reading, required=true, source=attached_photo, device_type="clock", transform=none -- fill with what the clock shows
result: 6:43:10
